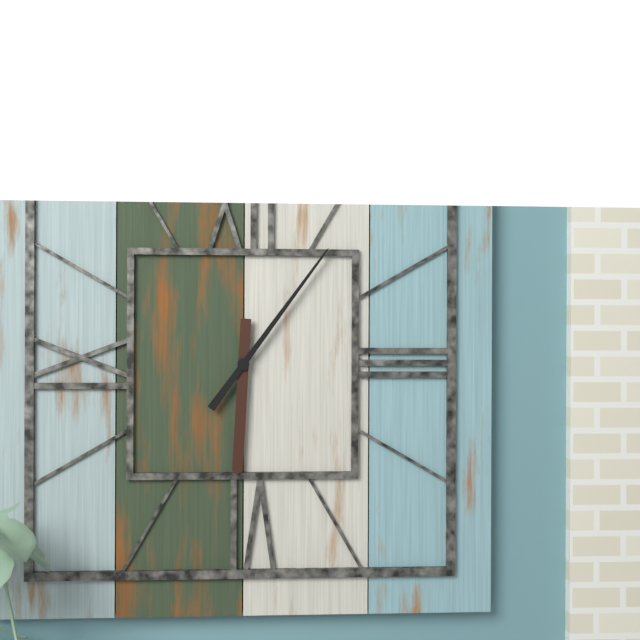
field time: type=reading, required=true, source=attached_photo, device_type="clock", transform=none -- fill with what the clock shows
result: 6:06
